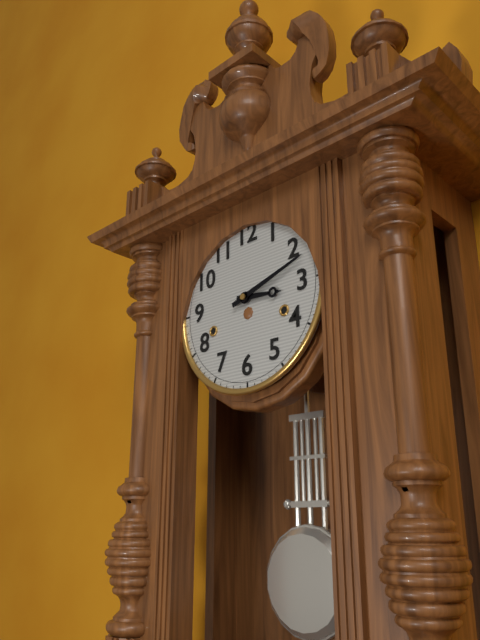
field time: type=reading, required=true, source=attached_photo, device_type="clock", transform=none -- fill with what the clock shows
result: 3:12
